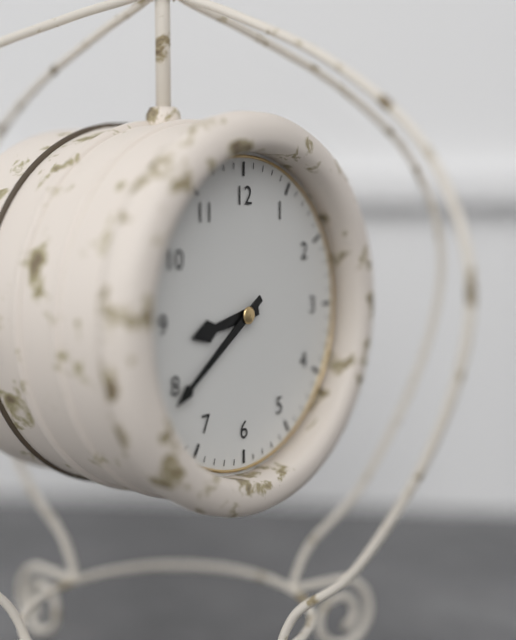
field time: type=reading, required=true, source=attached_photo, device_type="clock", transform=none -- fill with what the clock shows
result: 8:39
